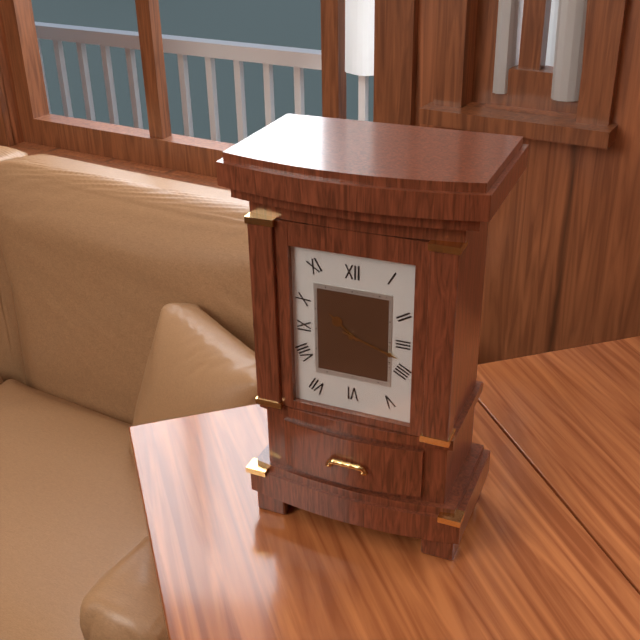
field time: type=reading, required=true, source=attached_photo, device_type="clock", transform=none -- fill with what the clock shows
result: 10:18
